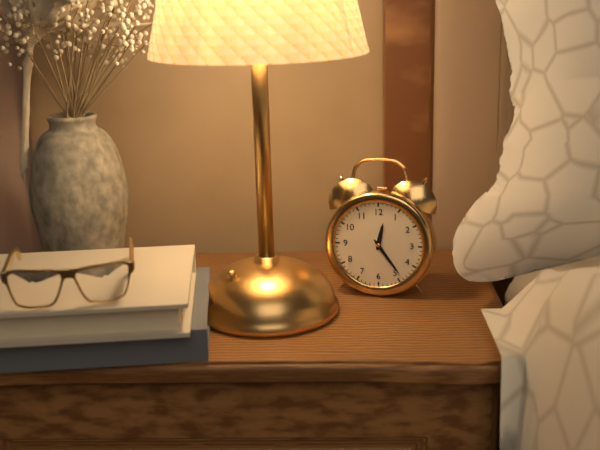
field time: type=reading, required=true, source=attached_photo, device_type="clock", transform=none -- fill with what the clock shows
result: 12:24
